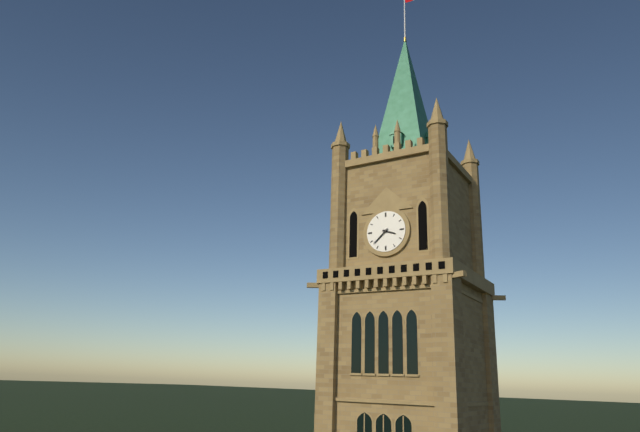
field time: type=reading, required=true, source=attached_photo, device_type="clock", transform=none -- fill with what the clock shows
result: 3:38
